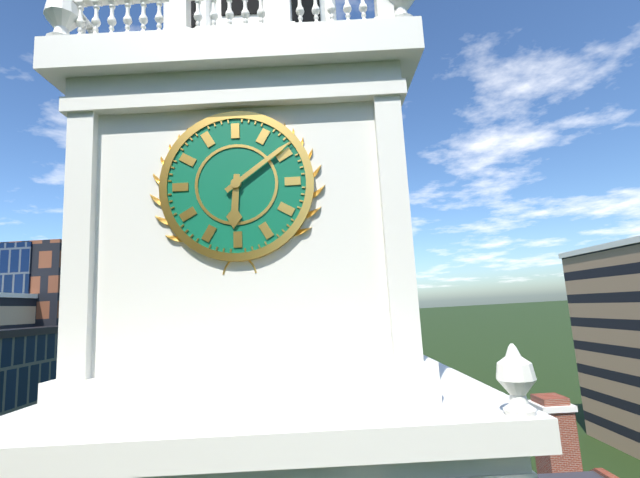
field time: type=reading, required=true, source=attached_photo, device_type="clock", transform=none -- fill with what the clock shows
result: 6:09
